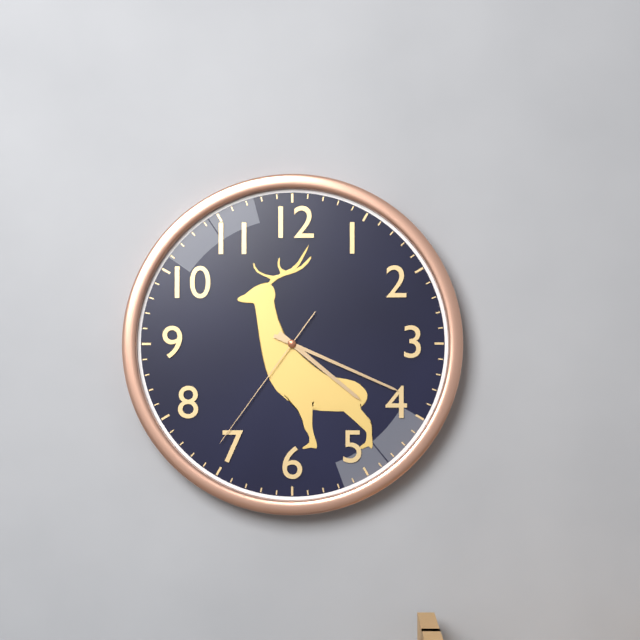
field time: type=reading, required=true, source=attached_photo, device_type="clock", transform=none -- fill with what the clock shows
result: 4:19:36
